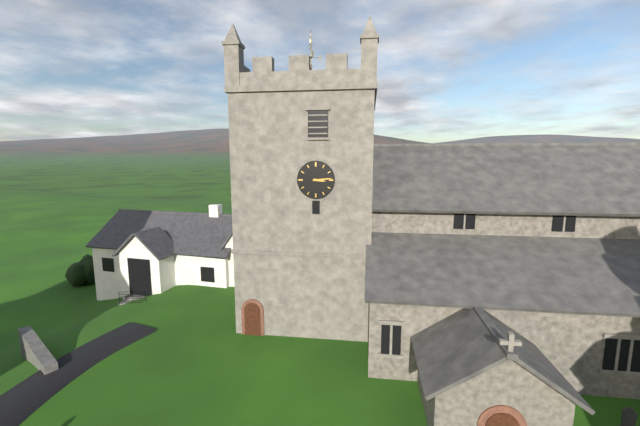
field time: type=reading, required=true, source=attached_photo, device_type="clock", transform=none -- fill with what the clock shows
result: 3:14
